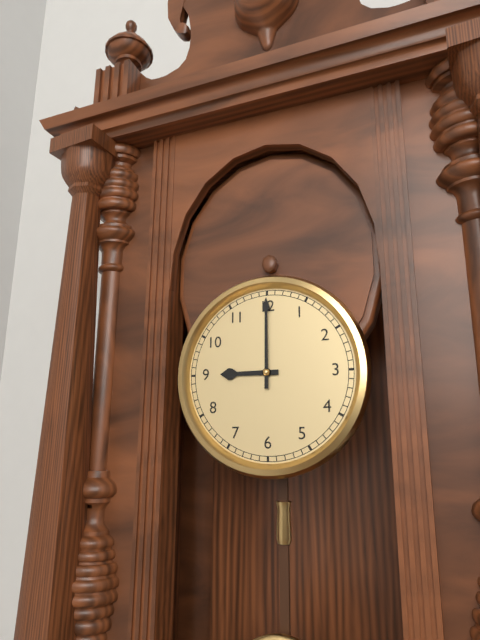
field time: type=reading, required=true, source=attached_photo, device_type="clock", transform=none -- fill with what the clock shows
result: 9:00
